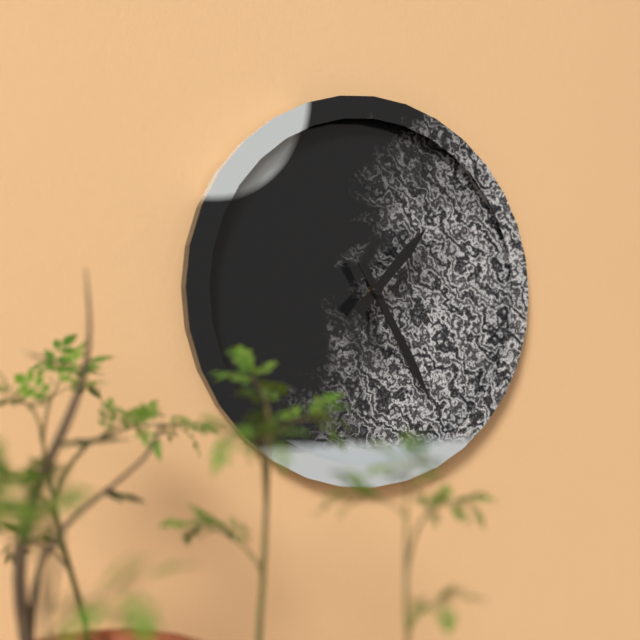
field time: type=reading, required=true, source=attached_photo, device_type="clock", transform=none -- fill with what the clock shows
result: 1:25
